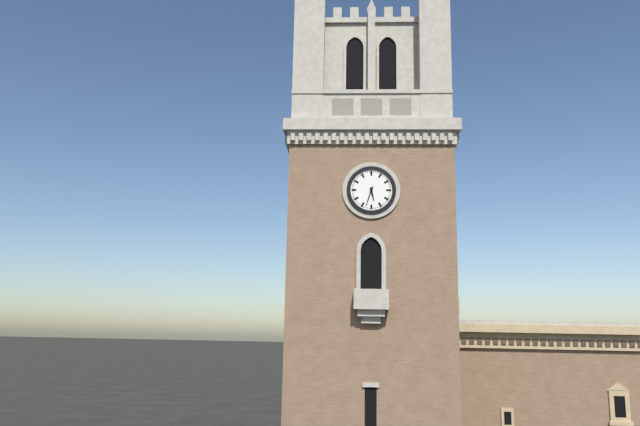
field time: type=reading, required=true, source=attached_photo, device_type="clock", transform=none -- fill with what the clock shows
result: 5:33
